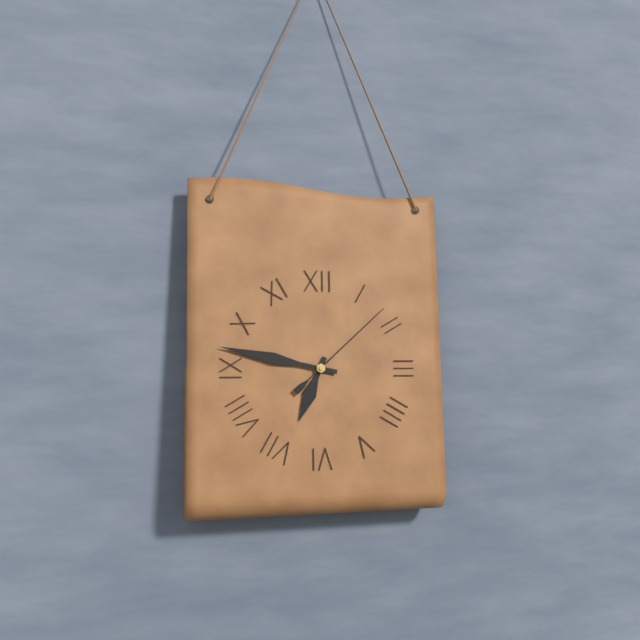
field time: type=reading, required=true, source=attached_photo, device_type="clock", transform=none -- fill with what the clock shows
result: 6:47:08
